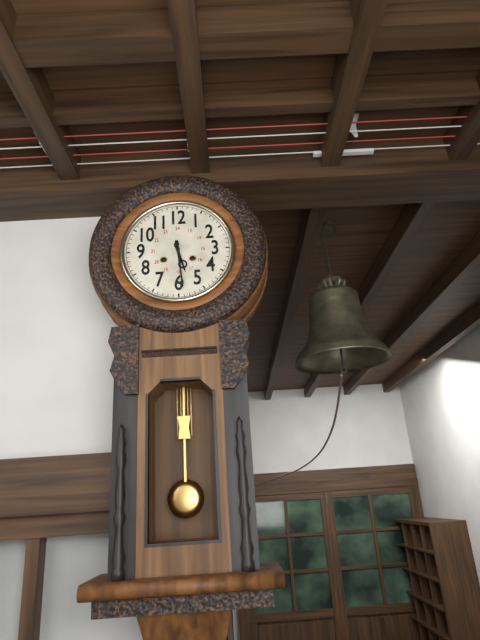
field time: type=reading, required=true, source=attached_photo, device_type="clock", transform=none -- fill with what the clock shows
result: 5:29
